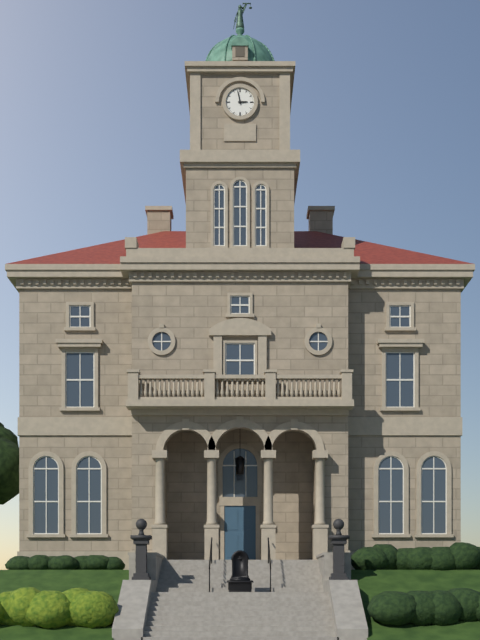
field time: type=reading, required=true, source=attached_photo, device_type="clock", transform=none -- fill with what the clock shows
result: 2:58
